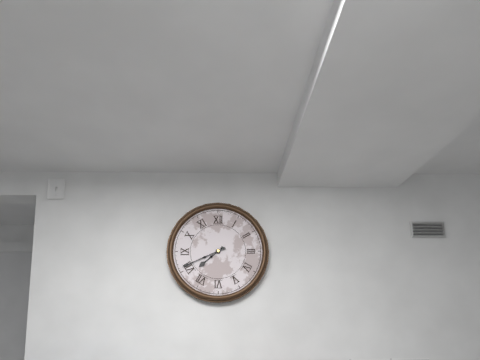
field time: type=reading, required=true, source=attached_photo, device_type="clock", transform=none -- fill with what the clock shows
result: 7:41
